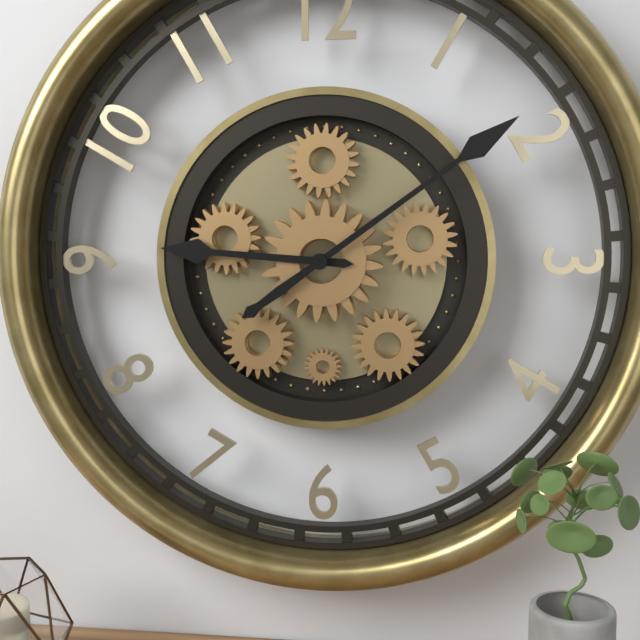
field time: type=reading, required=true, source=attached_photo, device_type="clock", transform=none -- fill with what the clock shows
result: 9:09
